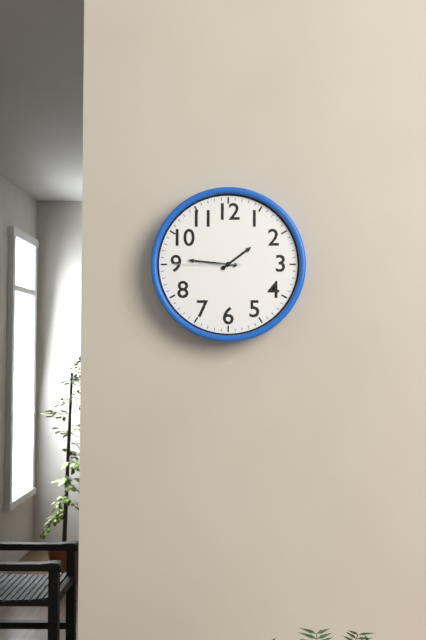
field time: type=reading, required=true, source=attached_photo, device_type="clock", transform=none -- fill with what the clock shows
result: 1:46:45
